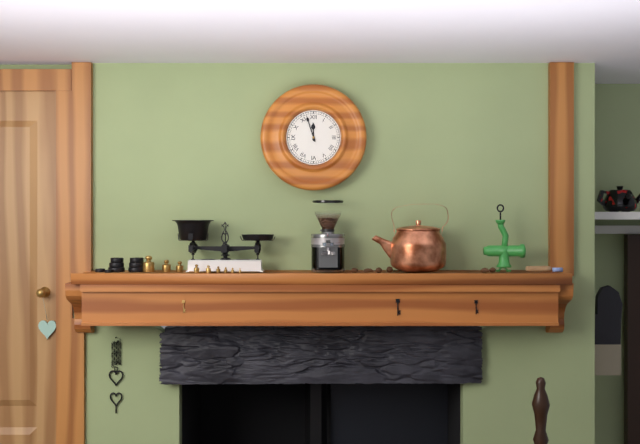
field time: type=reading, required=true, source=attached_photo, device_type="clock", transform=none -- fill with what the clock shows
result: 11:57
